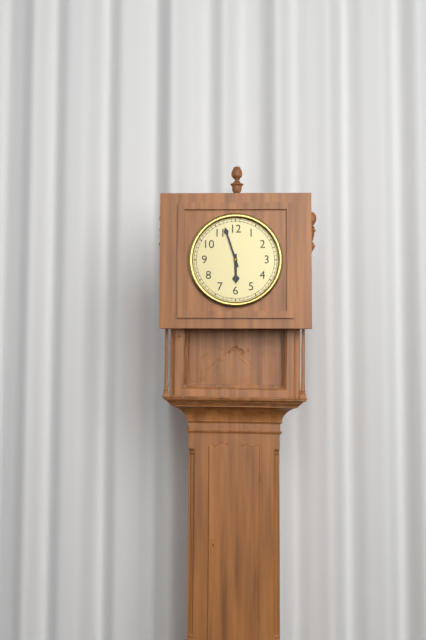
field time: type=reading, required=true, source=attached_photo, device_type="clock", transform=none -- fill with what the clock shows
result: 5:57
